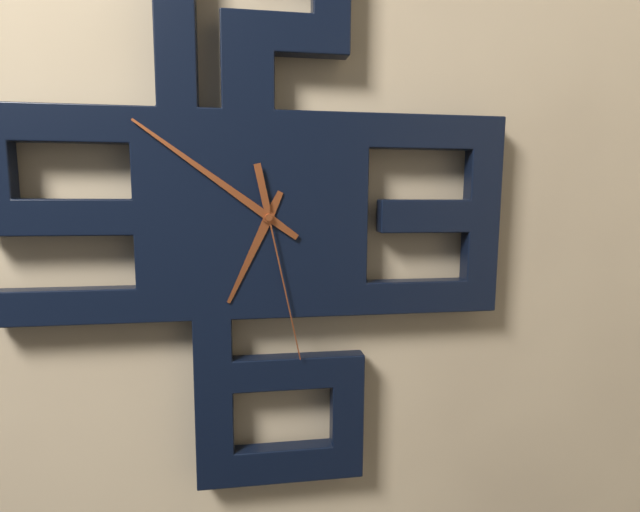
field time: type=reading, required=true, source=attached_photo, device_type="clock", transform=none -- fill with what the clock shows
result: 6:51:28
